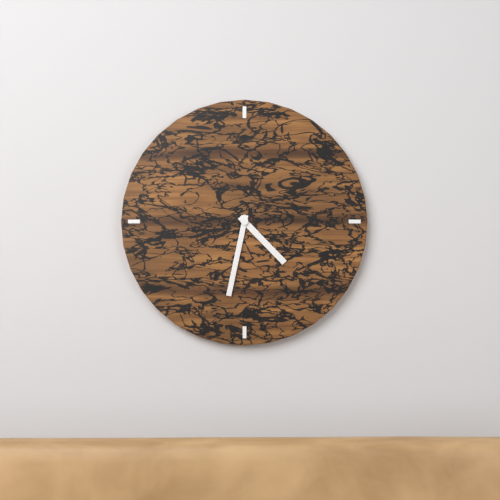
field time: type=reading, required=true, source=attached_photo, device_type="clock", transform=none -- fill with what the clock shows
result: 4:32
